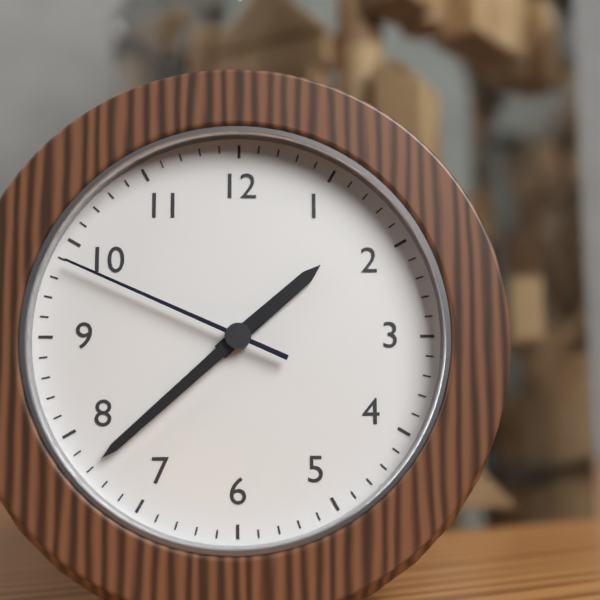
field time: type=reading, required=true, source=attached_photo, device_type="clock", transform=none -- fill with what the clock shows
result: 1:38:49
